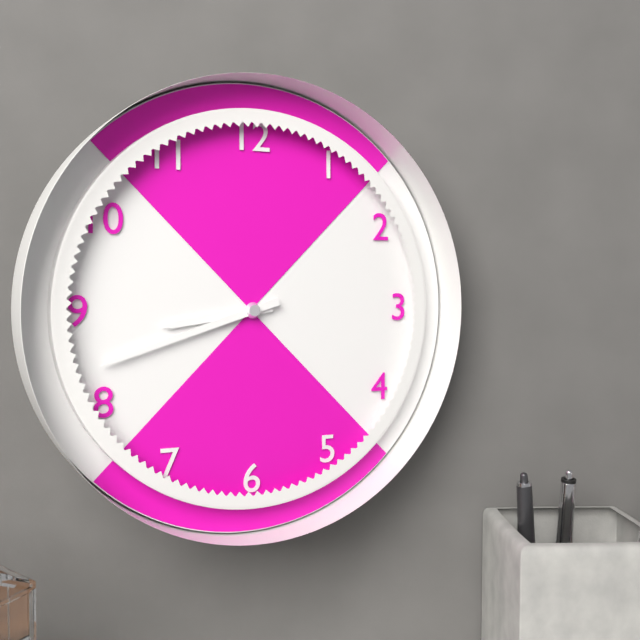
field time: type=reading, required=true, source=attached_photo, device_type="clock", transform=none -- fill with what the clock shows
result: 8:42
